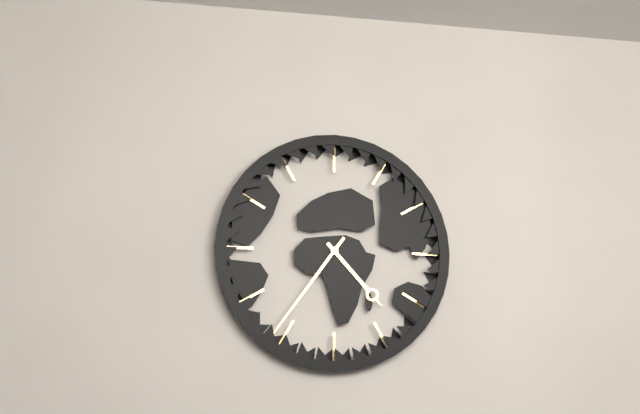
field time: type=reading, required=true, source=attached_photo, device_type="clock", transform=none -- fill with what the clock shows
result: 4:36
